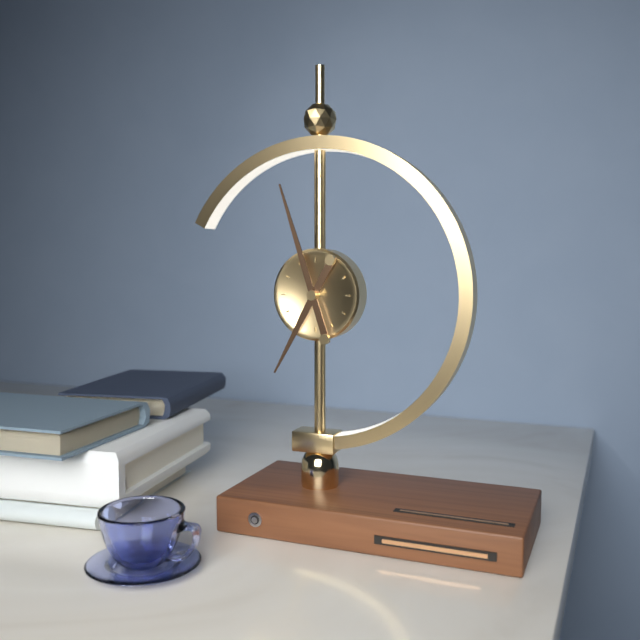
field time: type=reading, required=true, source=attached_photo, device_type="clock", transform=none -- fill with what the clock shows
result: 6:57
